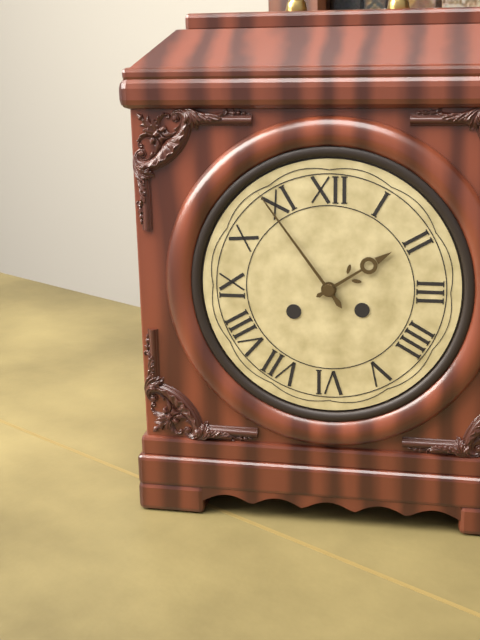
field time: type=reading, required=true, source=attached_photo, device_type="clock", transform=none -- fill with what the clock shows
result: 1:54
